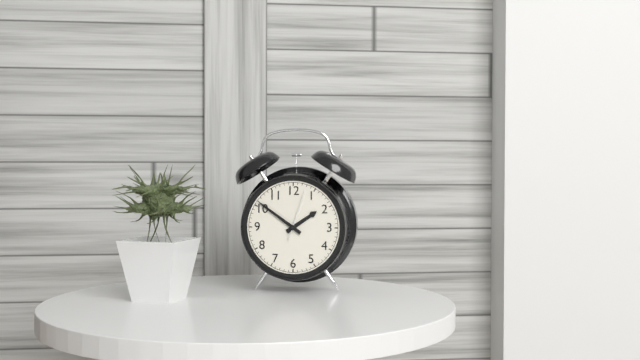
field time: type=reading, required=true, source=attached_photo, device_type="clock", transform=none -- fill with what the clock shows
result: 1:51
